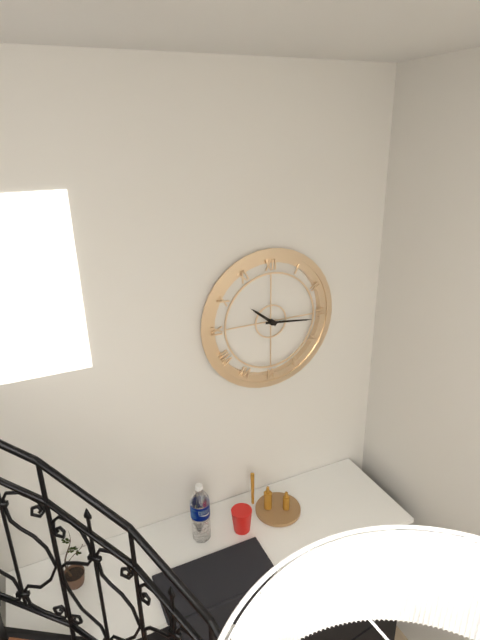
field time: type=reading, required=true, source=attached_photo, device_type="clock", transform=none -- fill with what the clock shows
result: 10:16
